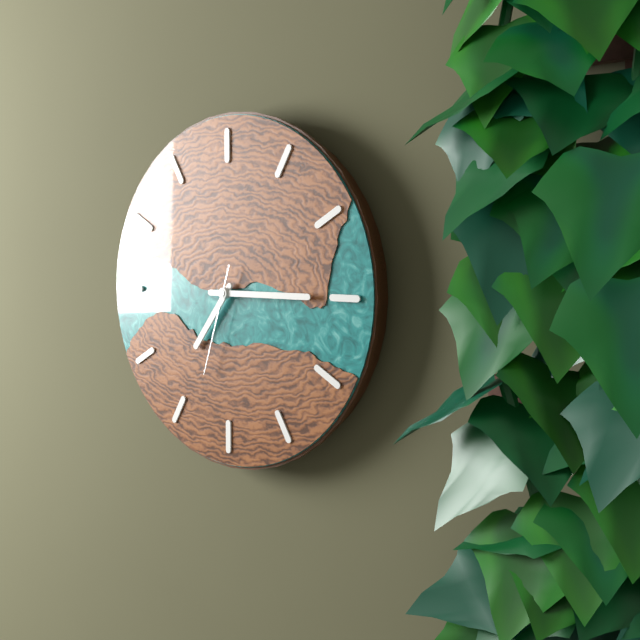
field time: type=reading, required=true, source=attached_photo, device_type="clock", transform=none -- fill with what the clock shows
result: 7:15:33
